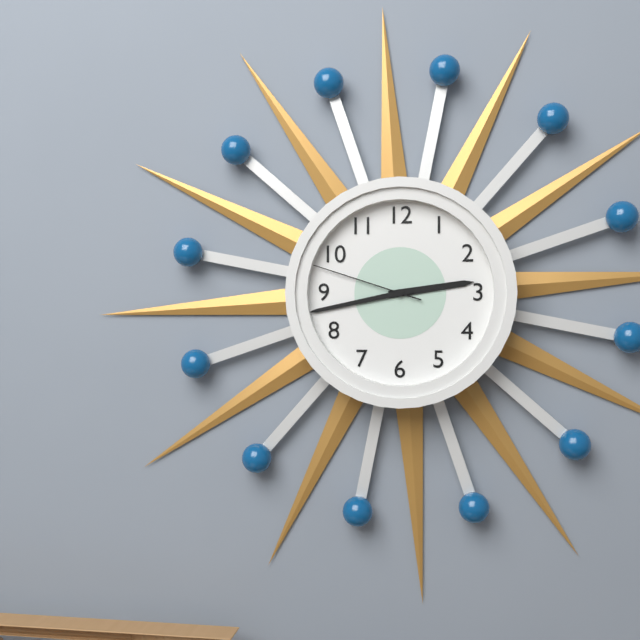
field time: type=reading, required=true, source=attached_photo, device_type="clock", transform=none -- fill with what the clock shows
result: 2:43:48
